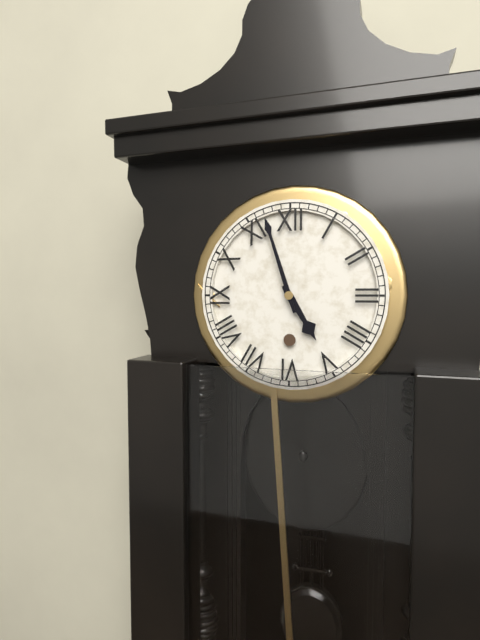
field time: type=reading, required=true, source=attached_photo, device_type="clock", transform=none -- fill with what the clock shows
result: 4:57
